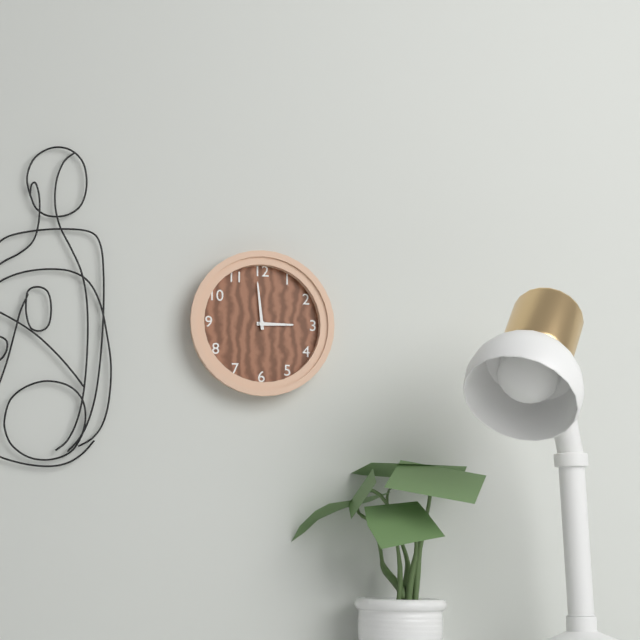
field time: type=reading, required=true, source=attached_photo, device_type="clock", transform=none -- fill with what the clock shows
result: 2:59
